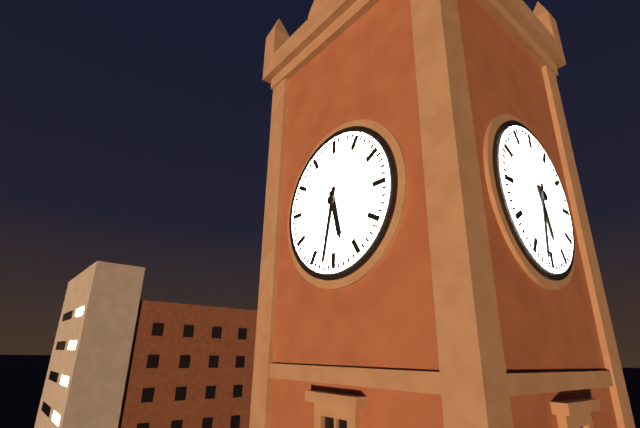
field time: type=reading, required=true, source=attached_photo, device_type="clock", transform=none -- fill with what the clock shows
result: 5:32
